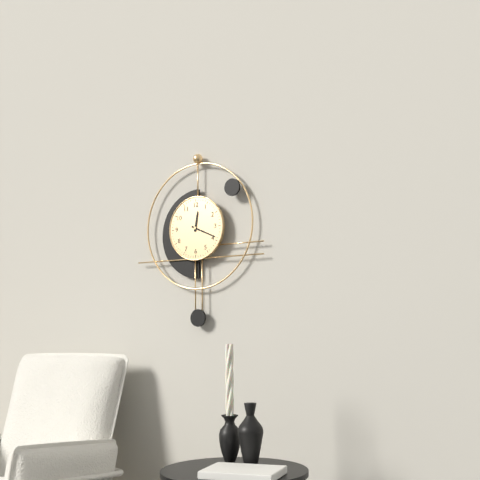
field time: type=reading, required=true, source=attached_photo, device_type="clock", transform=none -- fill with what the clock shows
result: 12:19
